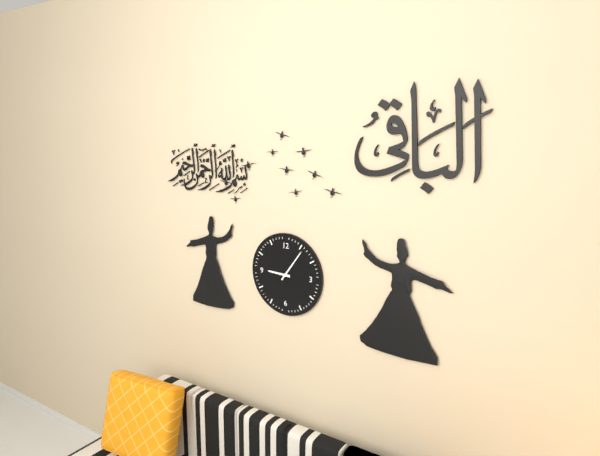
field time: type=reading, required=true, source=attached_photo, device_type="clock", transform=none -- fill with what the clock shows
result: 9:06
